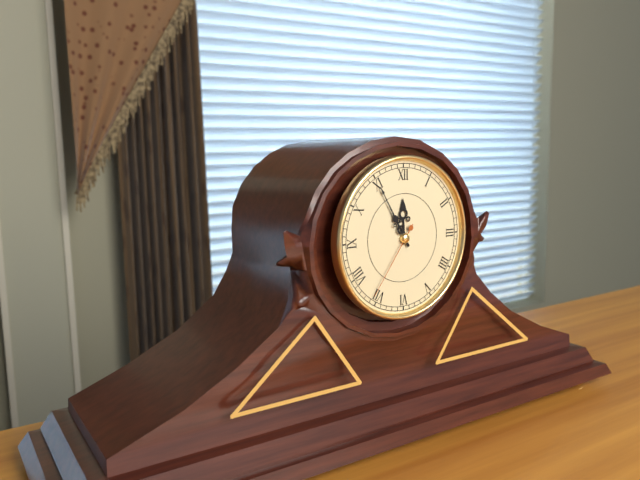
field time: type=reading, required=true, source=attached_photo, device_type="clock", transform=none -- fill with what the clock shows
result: 11:55:36
